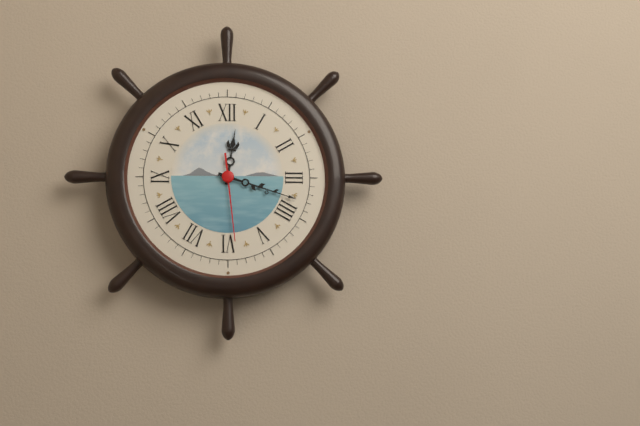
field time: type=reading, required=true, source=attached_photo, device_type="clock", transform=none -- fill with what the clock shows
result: 12:18:29
